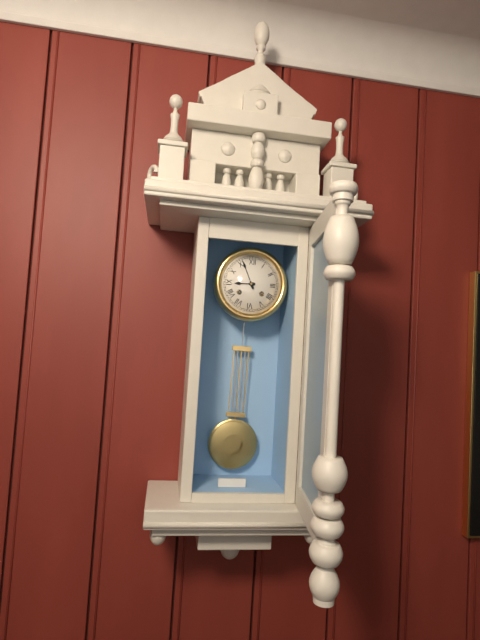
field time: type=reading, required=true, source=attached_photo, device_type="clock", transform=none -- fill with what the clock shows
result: 8:56
